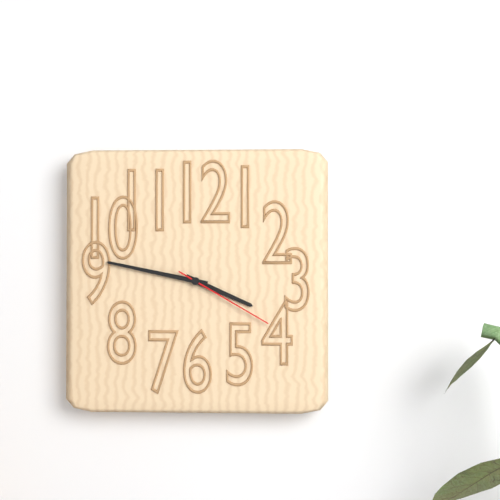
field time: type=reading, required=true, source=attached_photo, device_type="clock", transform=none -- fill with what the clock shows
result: 3:47:20
